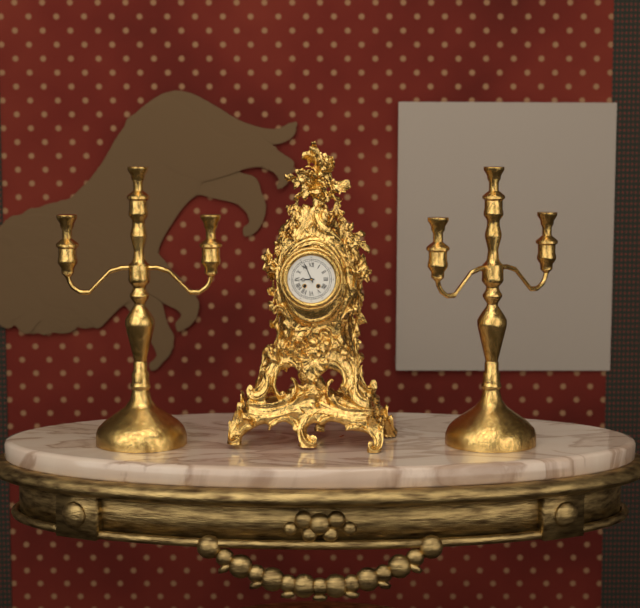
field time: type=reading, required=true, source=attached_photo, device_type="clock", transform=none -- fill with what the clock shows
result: 8:56
